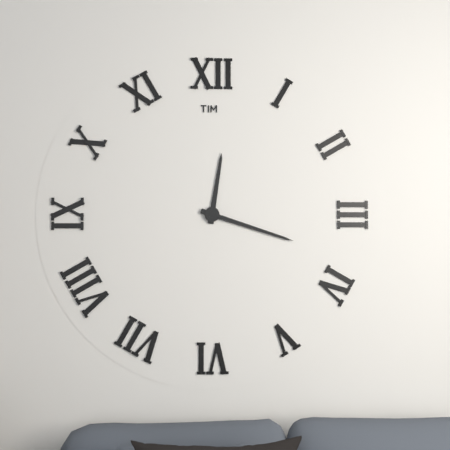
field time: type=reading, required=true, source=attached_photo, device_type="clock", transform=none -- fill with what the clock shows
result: 12:18
